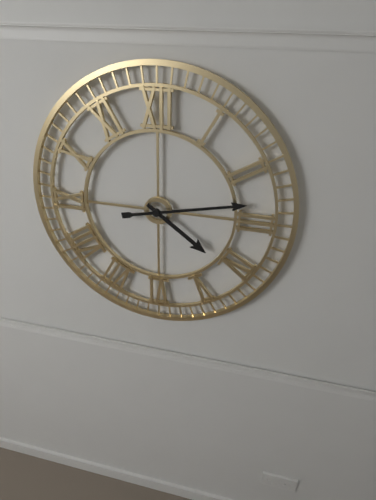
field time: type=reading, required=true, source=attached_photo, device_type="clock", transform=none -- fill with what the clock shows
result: 4:13
